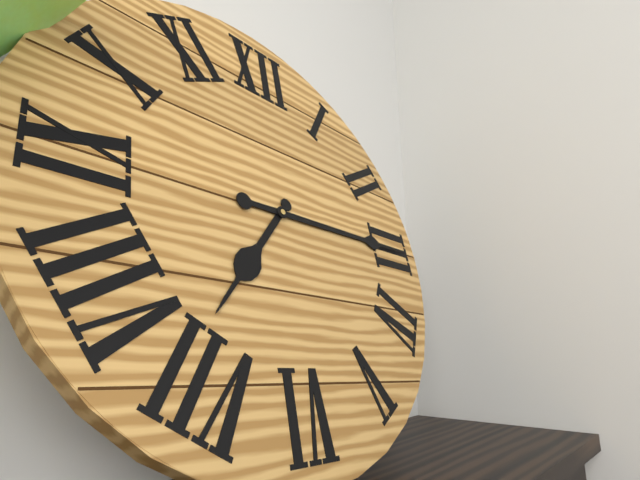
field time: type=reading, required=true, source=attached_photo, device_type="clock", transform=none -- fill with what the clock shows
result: 7:15
